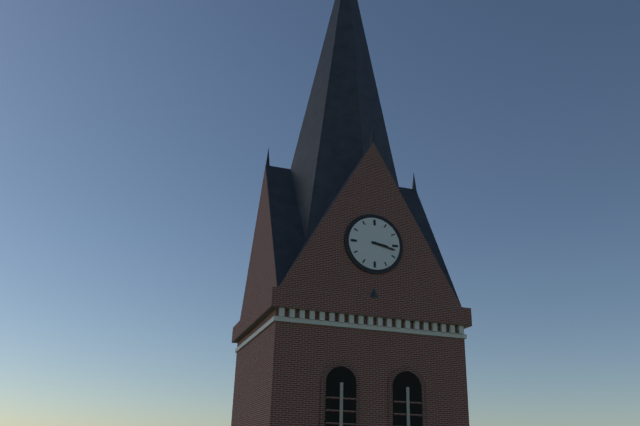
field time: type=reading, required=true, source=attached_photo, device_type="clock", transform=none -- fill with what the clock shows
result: 3:17
